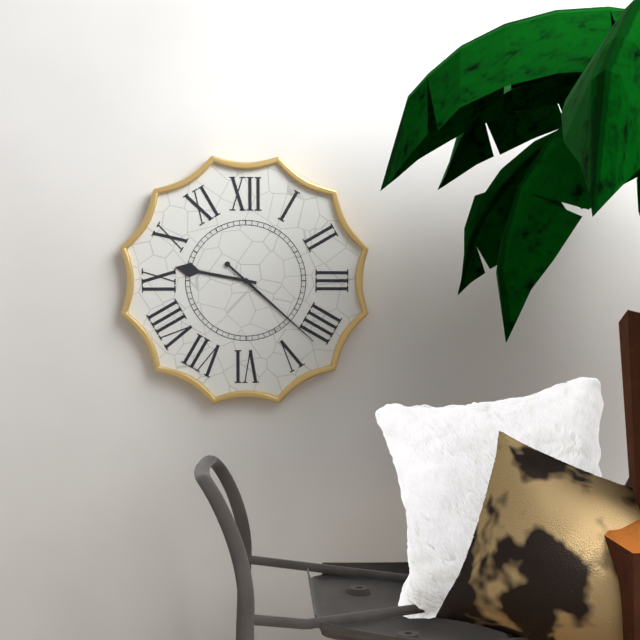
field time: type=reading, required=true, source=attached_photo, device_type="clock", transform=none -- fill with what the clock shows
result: 9:22
